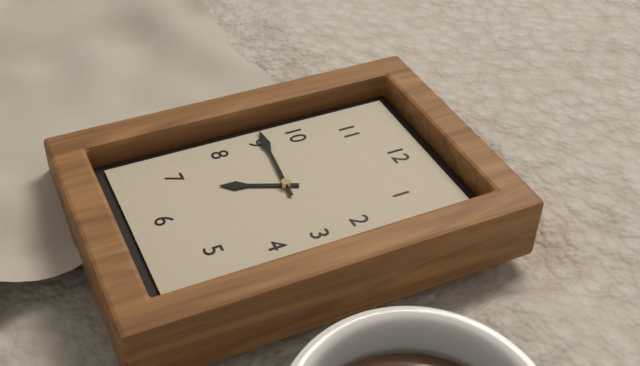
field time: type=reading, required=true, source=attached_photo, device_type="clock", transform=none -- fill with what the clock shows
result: 6:46
